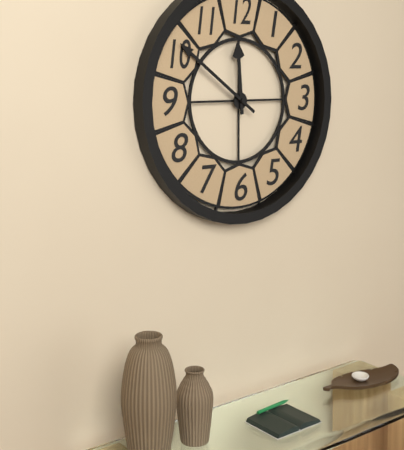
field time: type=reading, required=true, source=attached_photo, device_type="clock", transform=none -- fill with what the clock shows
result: 11:51
